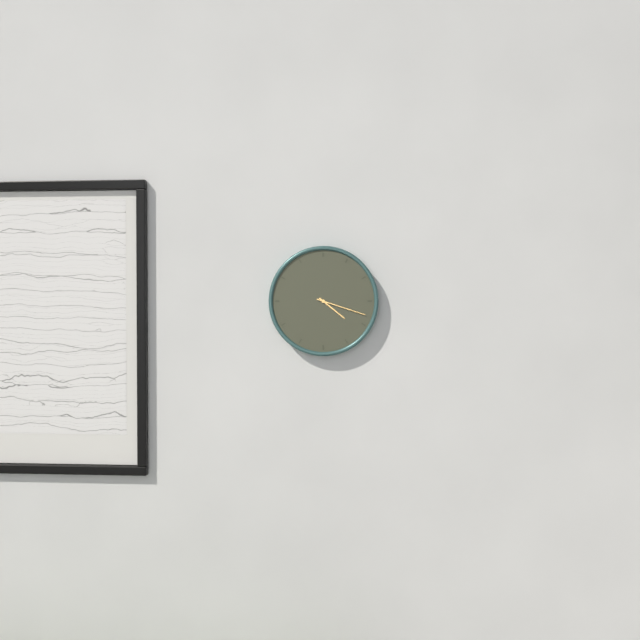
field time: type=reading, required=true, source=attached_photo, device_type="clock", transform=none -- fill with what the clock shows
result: 4:18
